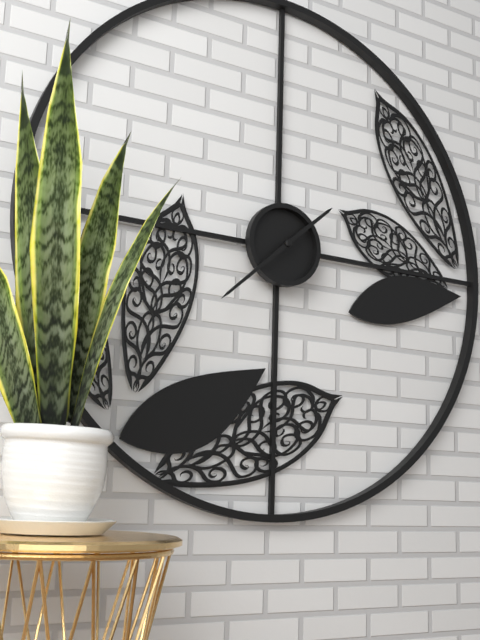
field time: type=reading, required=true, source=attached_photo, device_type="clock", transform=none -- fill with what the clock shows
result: 1:38
